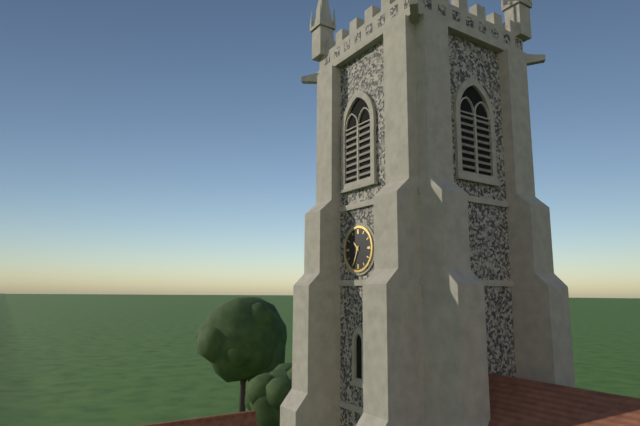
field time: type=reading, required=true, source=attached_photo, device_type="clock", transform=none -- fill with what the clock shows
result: 10:34
